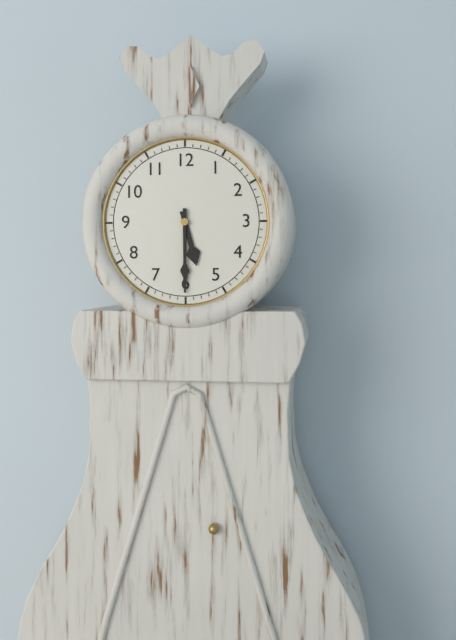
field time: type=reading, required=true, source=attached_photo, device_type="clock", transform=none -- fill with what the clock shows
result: 5:30
